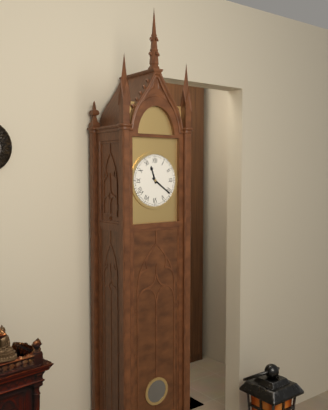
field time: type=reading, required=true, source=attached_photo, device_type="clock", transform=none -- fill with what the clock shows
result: 11:21
